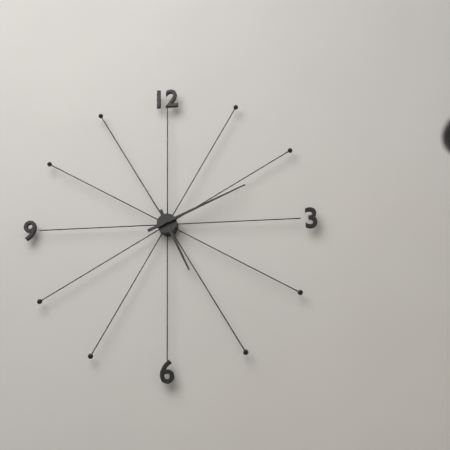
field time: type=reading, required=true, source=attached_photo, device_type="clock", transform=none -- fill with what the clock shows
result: 5:11
